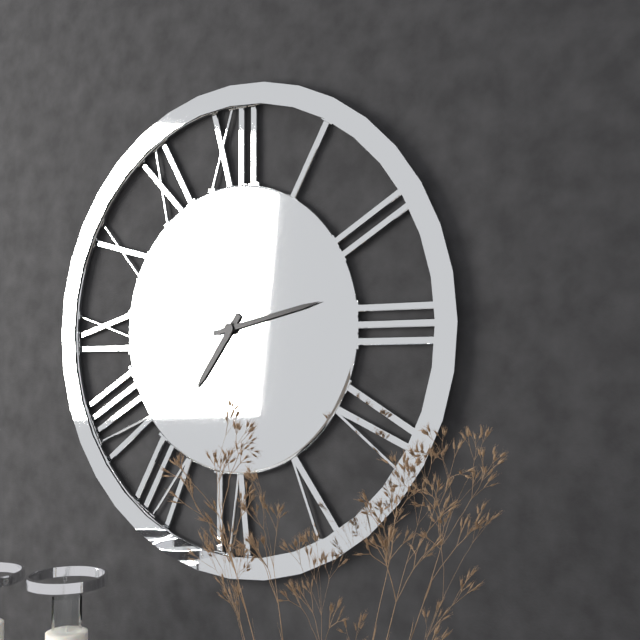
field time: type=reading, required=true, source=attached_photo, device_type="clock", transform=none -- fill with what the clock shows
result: 7:13
